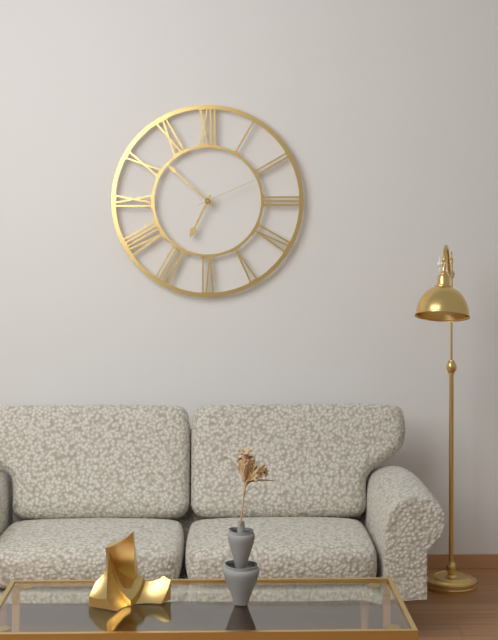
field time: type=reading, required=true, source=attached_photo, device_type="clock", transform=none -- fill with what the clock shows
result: 6:52:11
